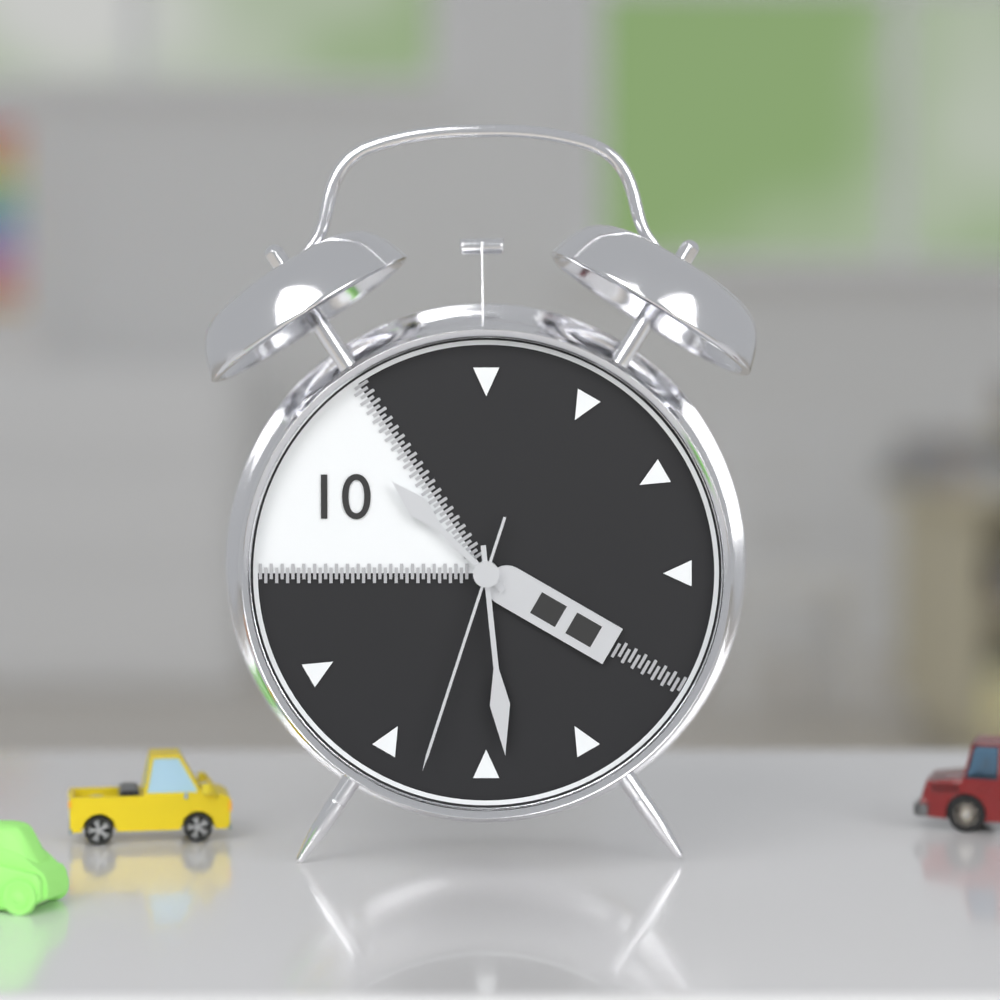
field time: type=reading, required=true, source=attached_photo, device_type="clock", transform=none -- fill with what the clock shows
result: 10:29:33
